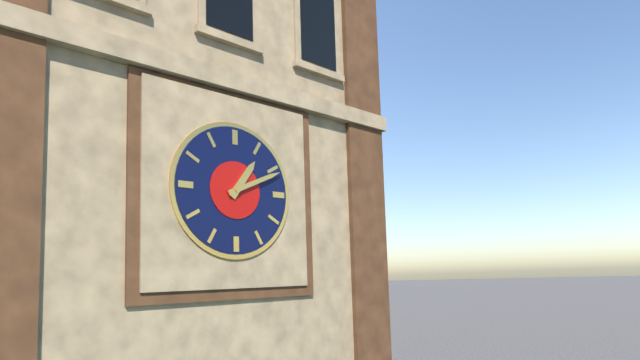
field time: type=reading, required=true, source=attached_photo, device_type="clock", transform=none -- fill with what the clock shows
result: 1:11
